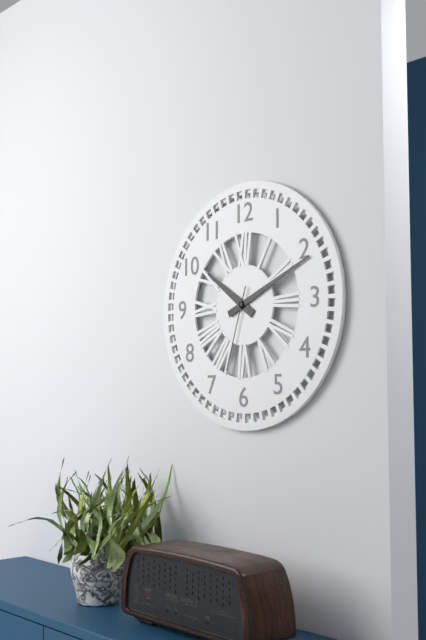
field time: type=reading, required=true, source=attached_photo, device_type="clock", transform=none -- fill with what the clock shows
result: 10:11:33
